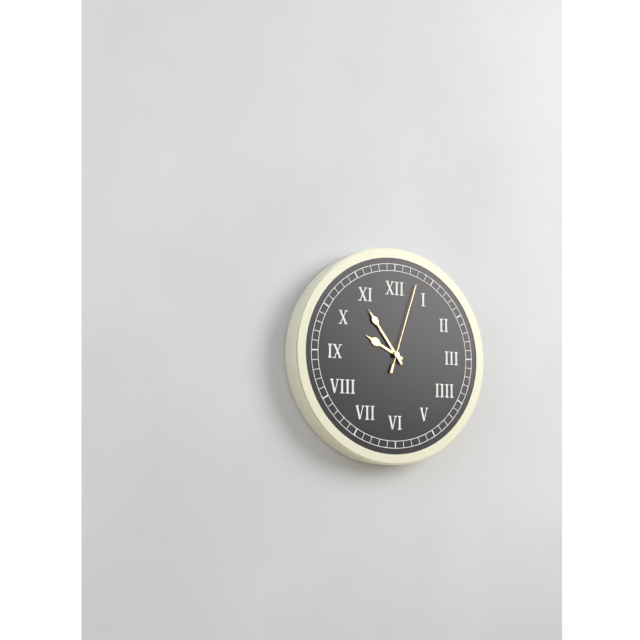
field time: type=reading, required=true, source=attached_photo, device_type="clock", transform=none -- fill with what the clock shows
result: 9:54:03
